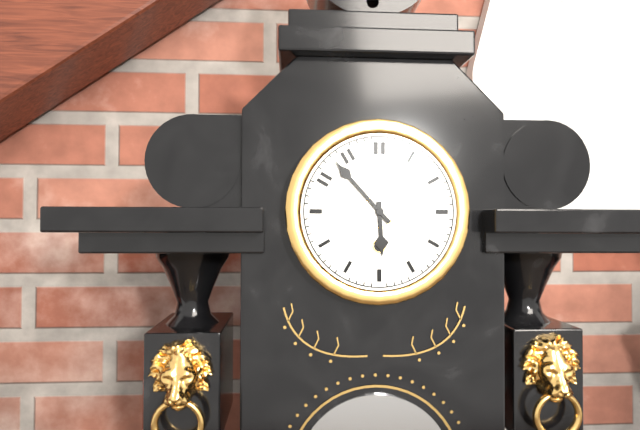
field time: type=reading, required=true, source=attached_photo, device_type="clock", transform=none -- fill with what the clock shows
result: 5:53
